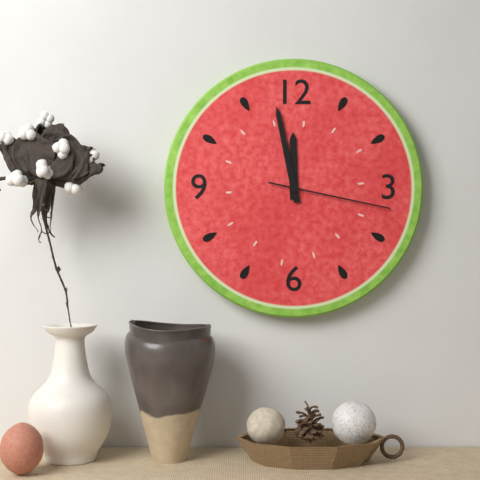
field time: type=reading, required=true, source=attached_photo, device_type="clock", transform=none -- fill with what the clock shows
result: 11:58:17
